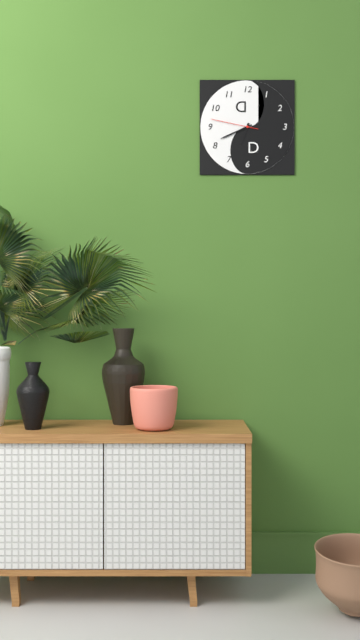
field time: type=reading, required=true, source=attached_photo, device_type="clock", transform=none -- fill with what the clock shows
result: 6:41
